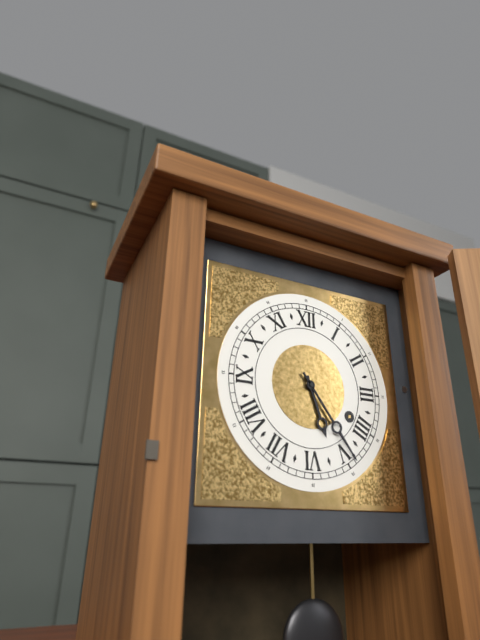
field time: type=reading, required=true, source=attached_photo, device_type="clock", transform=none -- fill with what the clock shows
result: 5:24
